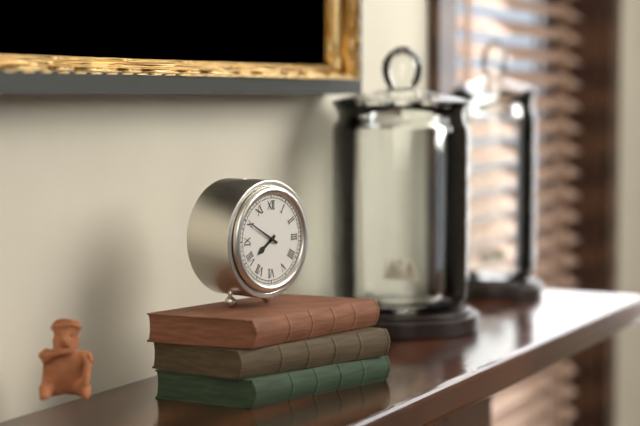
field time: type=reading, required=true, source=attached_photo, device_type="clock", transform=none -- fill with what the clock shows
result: 7:50
